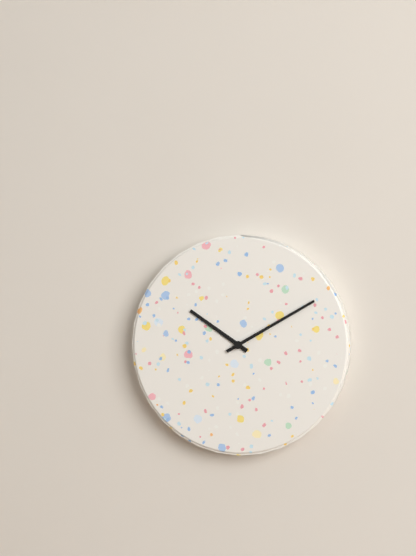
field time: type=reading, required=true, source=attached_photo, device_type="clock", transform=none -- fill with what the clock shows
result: 10:10
